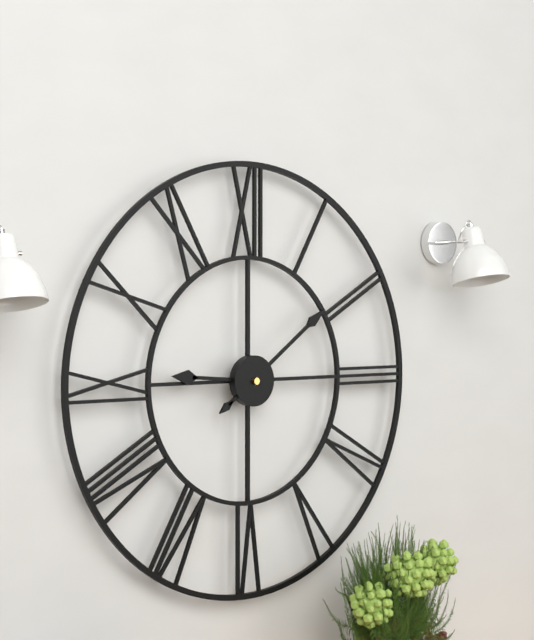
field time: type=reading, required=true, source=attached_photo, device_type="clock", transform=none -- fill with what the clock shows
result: 9:09
